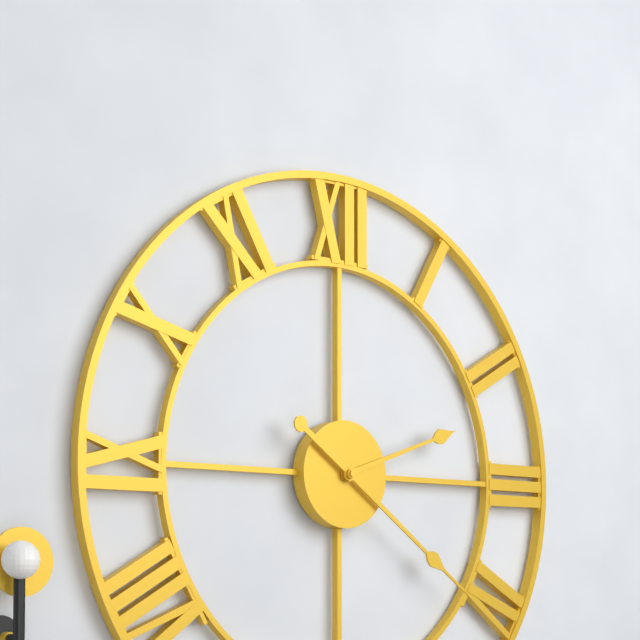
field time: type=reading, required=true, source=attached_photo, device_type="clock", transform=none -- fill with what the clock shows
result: 2:21
